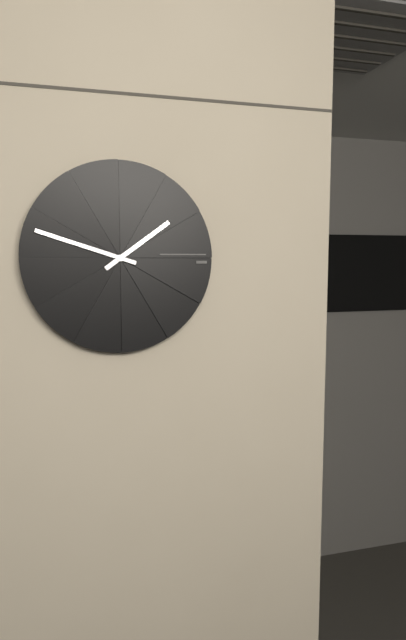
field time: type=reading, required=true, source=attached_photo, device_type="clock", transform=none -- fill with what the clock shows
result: 1:48
